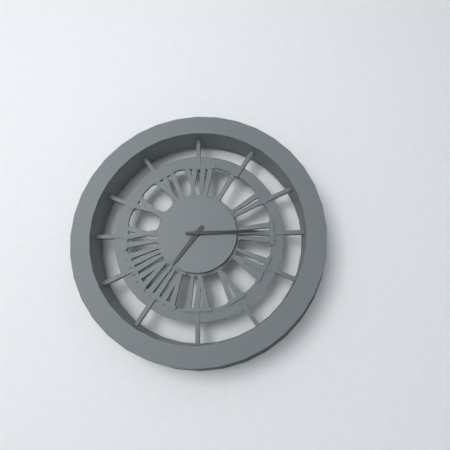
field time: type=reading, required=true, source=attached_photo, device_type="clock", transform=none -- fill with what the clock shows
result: 7:15
